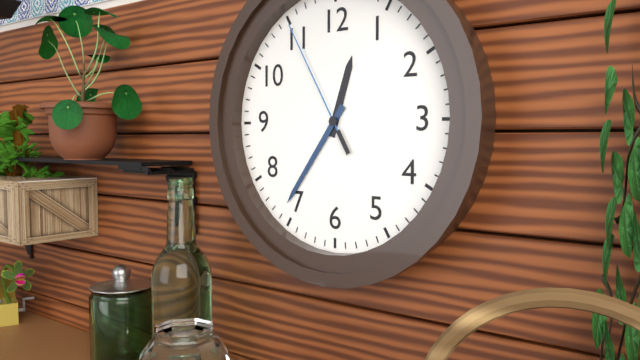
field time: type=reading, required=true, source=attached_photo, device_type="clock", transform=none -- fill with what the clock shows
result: 12:36:55
